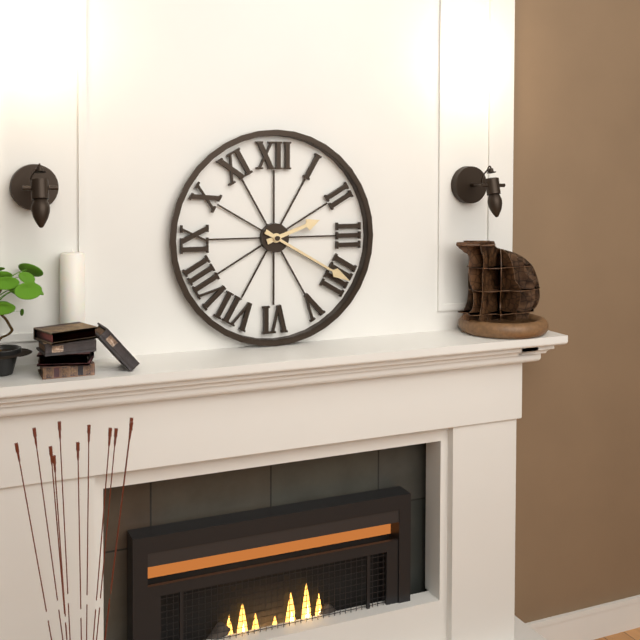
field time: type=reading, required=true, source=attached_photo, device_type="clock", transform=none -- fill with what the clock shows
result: 2:20
